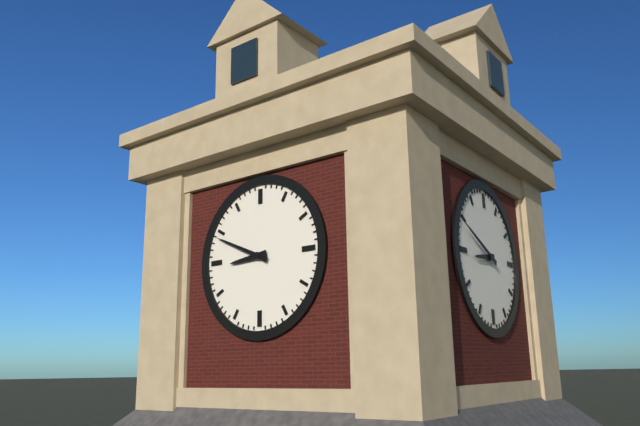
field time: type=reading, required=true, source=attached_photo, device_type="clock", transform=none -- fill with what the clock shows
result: 8:49
